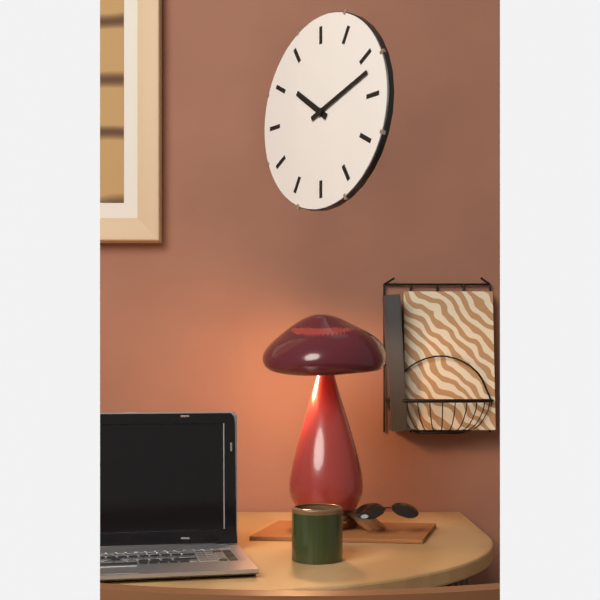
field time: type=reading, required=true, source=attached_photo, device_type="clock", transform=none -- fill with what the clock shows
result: 10:12
